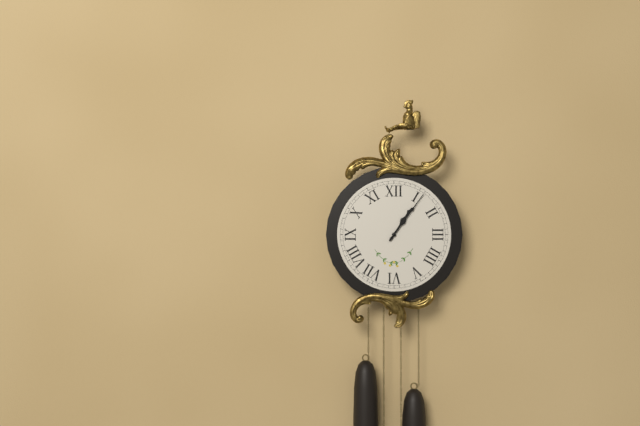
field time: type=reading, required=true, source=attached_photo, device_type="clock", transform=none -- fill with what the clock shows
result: 1:06
